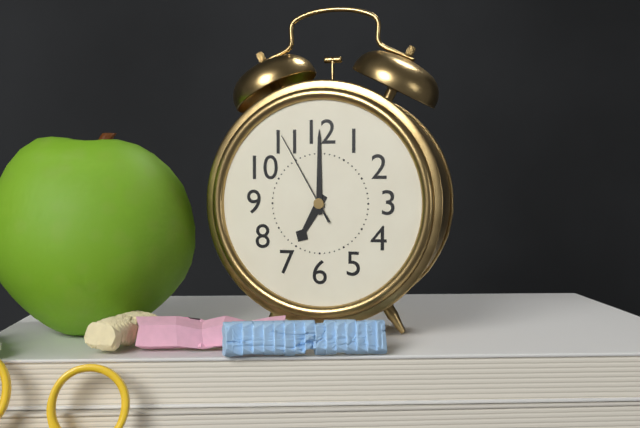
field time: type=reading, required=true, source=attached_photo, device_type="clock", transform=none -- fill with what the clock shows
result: 7:00:55
